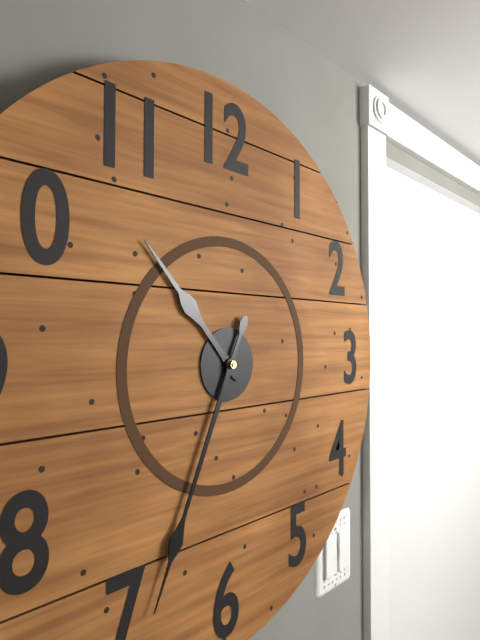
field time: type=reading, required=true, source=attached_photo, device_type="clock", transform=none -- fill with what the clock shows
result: 10:34
